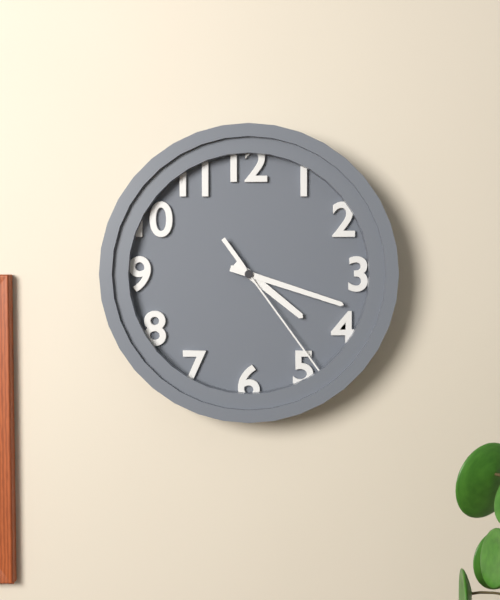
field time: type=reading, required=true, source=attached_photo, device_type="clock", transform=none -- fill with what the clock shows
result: 4:18:24
